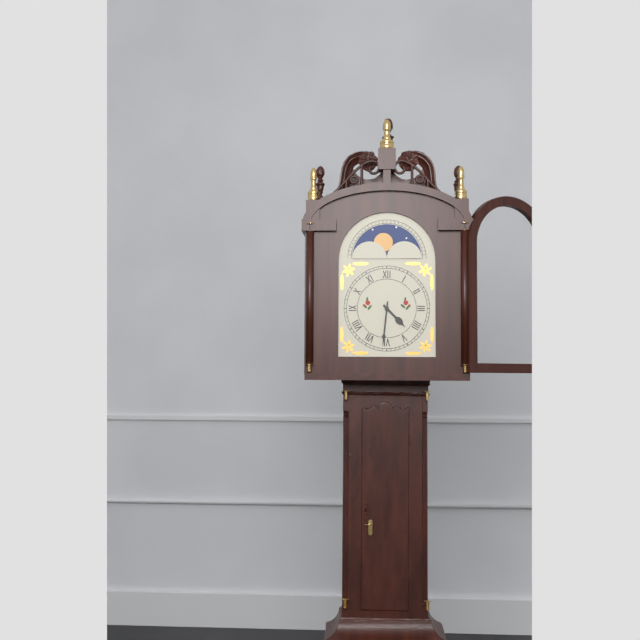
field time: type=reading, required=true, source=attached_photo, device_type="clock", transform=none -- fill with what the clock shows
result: 4:31
